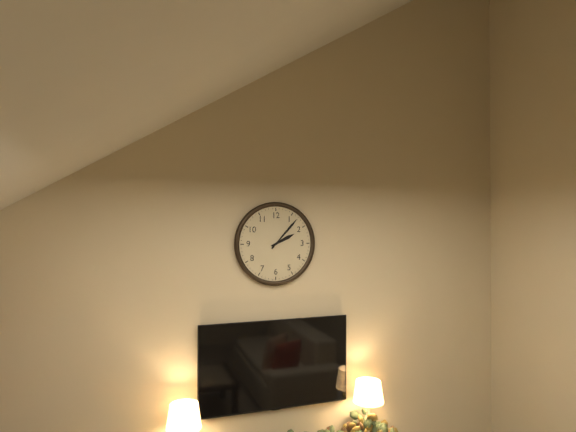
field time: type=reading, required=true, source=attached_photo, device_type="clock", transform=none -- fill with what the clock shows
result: 2:07
